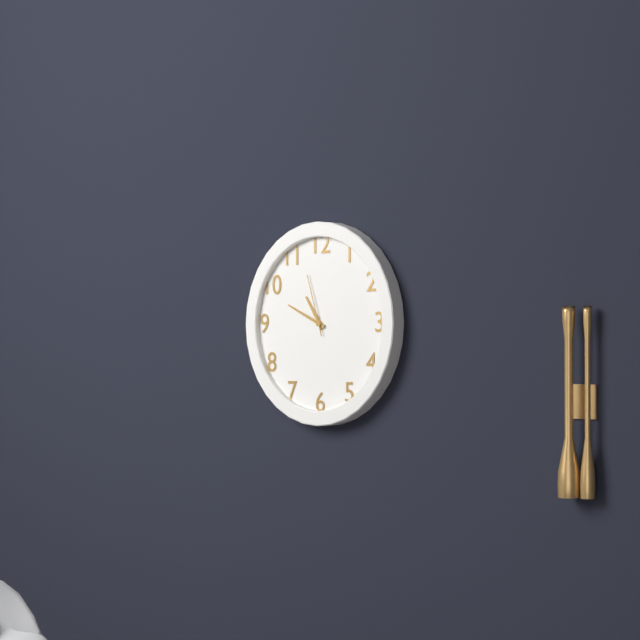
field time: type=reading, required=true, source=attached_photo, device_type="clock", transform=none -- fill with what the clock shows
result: 10:49:57
